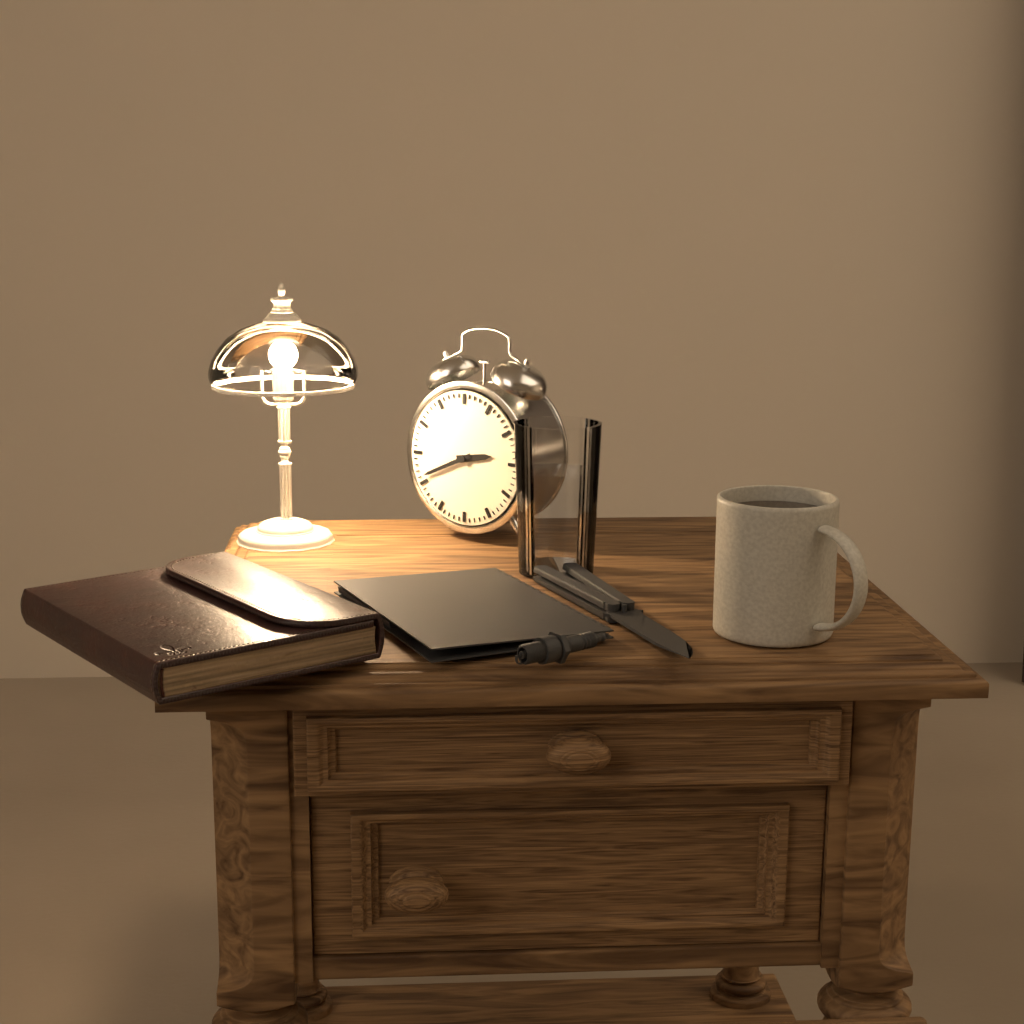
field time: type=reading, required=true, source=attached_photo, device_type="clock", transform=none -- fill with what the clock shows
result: 2:41
